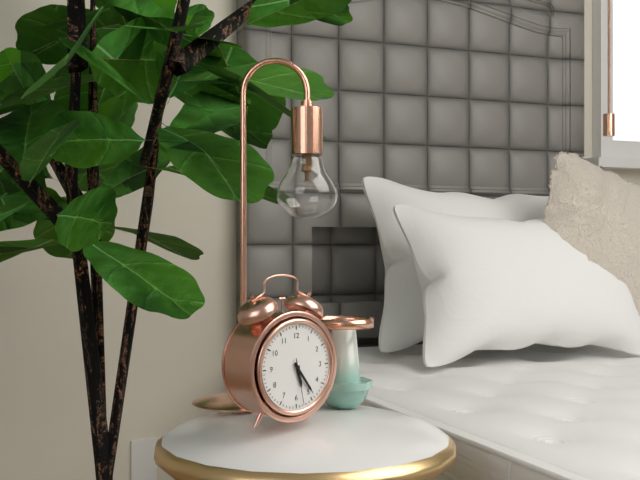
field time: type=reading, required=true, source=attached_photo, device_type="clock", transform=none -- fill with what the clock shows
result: 5:24
